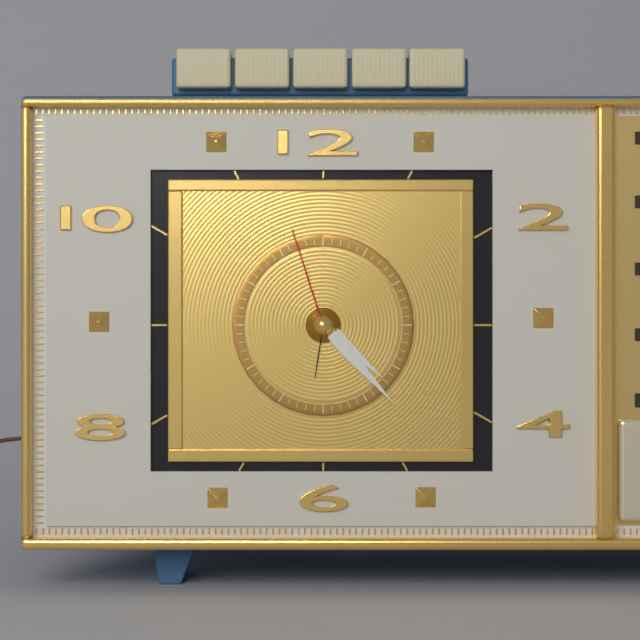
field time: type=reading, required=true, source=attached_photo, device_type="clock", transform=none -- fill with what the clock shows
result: 4:23:57
